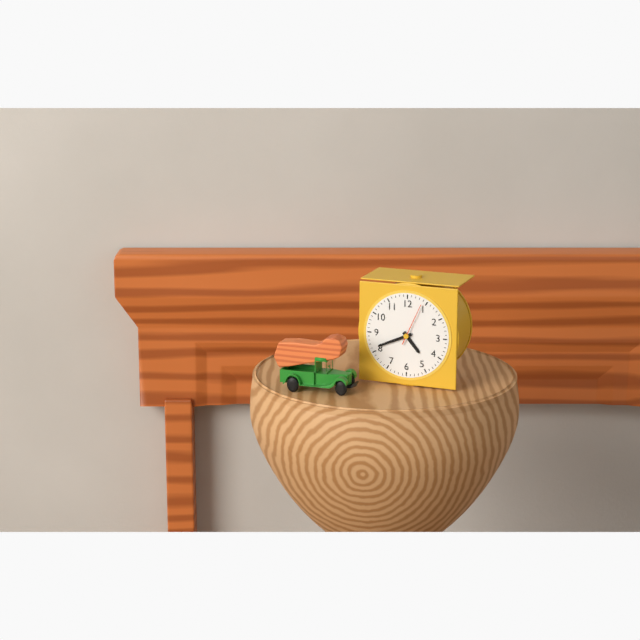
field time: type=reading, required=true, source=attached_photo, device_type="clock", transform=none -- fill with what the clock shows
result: 4:41
